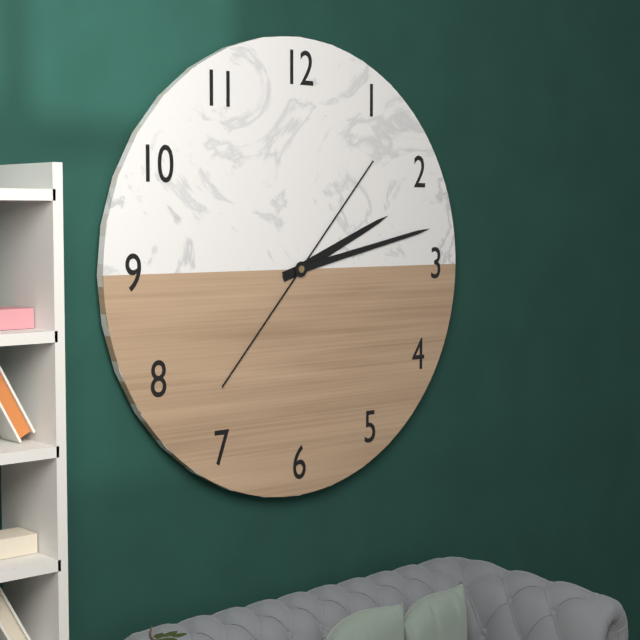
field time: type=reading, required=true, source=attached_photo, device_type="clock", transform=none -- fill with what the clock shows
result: 2:13
